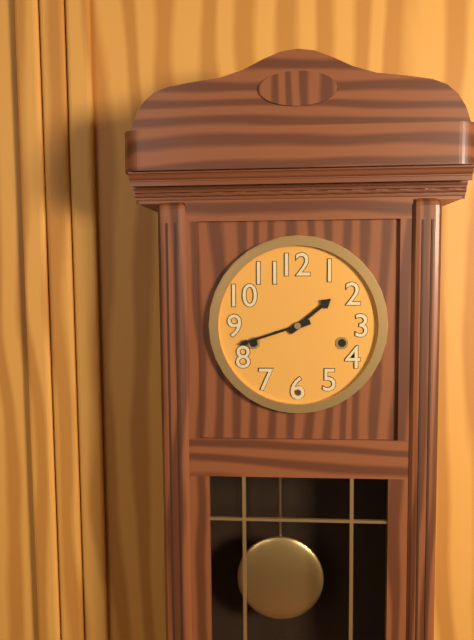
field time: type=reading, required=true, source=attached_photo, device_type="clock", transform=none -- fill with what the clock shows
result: 1:42
